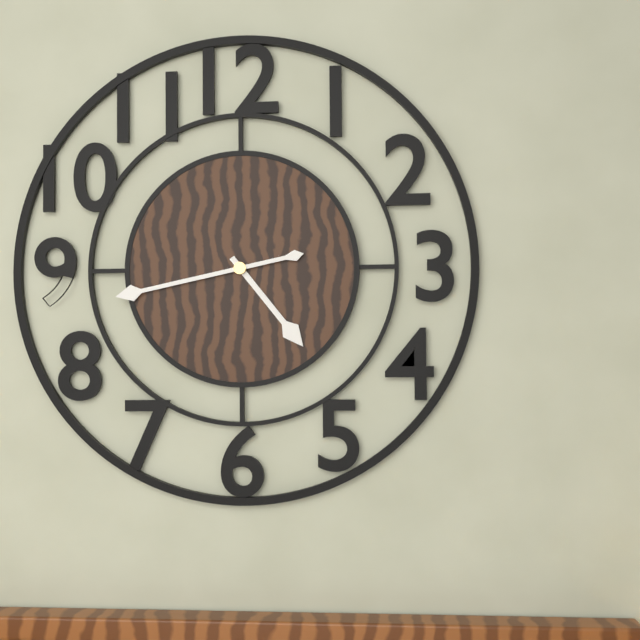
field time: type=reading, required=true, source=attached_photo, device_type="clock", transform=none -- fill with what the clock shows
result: 4:43
